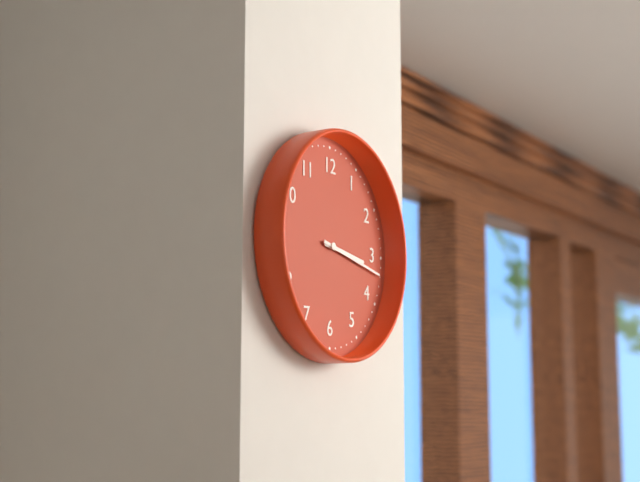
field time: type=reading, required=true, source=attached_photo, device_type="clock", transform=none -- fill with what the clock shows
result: 3:17
